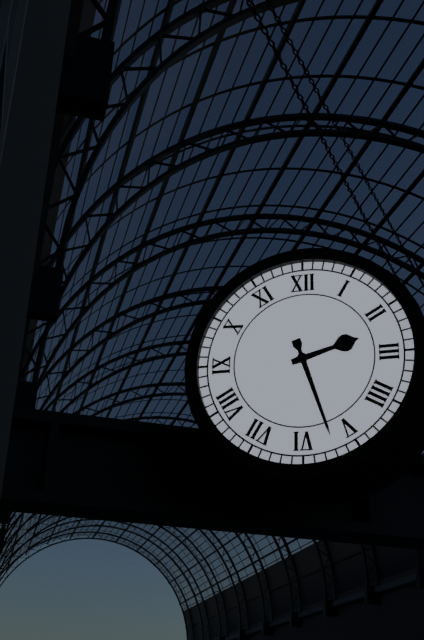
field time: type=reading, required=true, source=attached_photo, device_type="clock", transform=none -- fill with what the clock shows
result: 2:27
